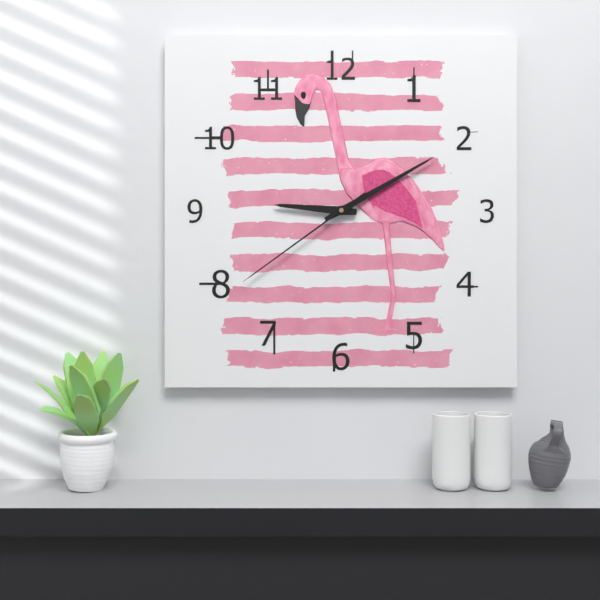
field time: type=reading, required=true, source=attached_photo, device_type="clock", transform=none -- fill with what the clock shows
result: 9:10:39
